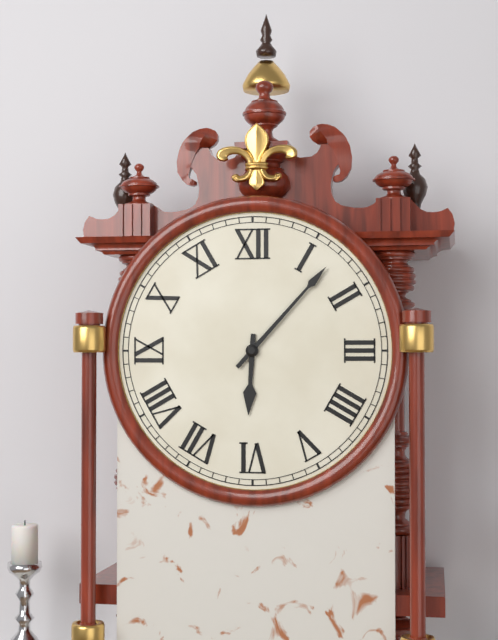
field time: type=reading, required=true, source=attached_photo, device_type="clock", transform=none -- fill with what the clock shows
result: 6:07
